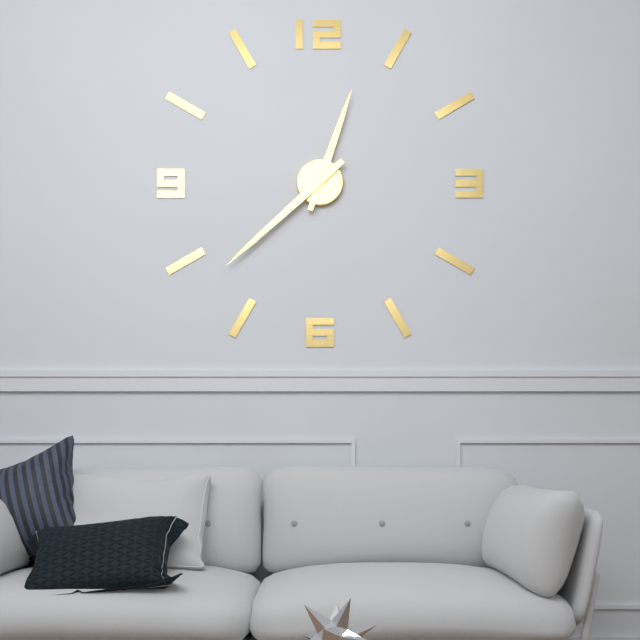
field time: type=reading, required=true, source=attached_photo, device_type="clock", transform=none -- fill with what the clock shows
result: 12:38
